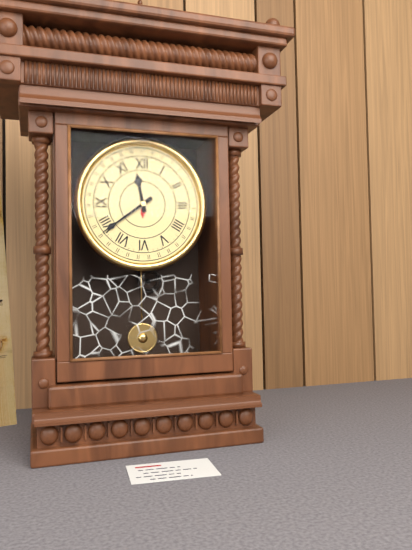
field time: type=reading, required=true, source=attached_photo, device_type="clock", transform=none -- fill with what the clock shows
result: 11:39
